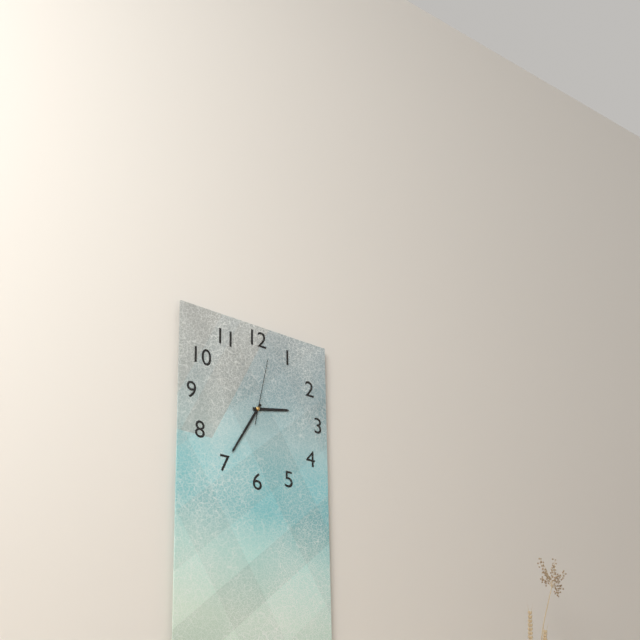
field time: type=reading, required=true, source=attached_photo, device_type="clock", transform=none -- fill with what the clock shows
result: 2:35:02
